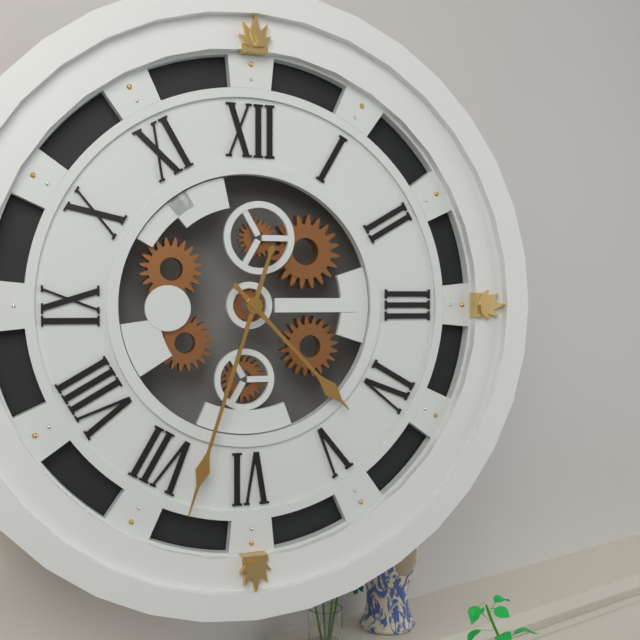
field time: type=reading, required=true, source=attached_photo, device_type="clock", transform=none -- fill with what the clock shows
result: 4:33
